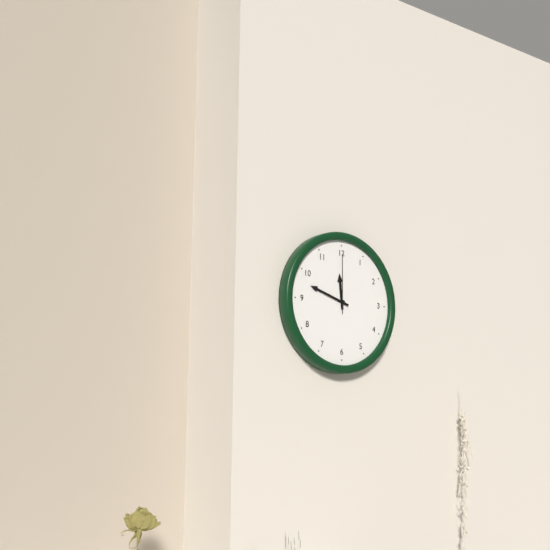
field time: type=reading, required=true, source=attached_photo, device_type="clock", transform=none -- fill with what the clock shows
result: 11:48:00
